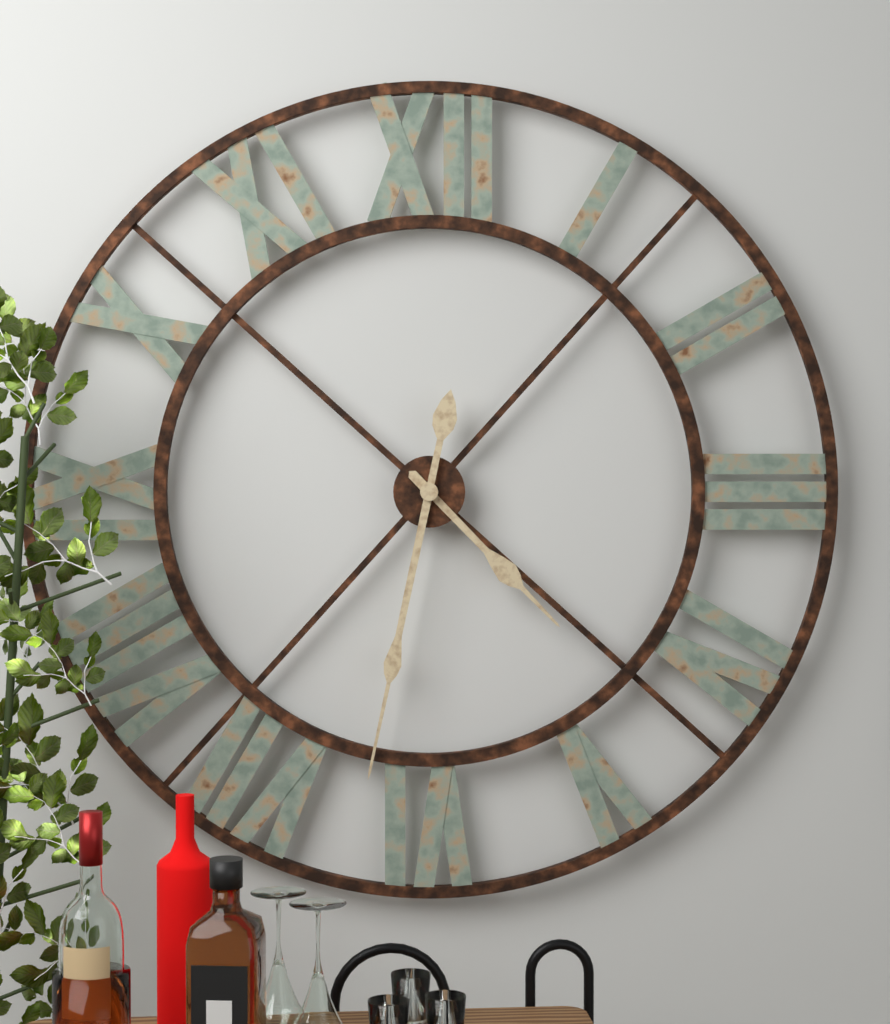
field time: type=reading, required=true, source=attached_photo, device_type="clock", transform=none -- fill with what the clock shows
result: 4:32
